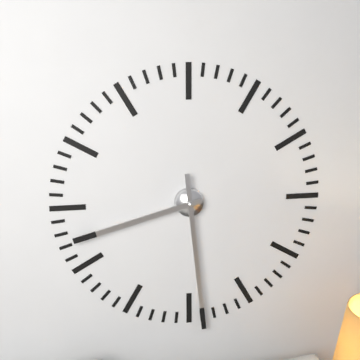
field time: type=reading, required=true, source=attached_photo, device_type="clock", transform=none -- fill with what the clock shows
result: 8:29
